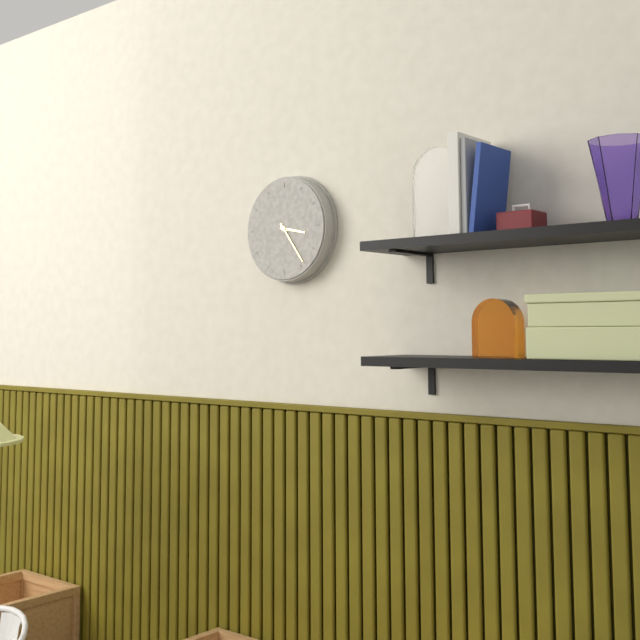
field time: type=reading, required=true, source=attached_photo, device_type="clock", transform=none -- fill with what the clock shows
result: 3:24
